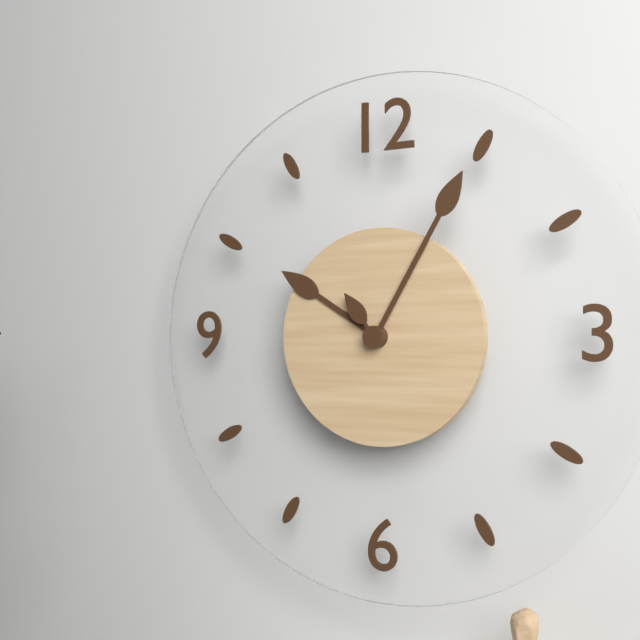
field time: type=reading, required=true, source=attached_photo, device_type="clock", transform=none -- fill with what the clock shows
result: 10:05:54
